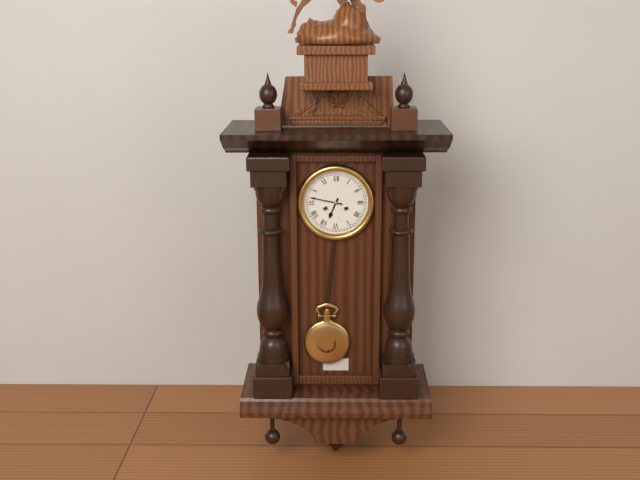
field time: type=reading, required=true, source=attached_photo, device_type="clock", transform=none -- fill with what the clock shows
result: 6:47
